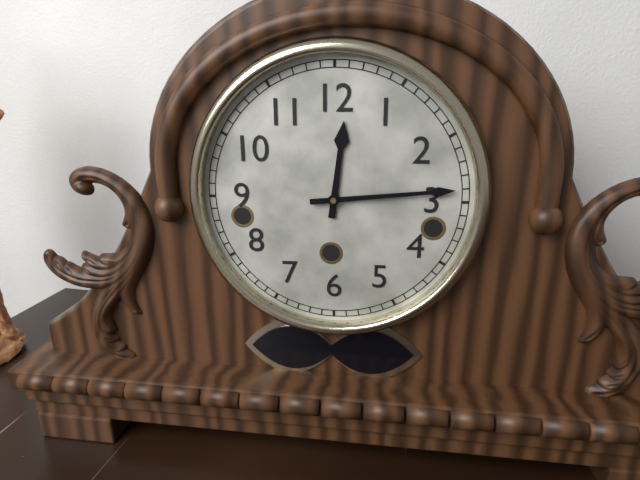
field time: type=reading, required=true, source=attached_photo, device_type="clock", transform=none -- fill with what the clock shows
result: 12:14
